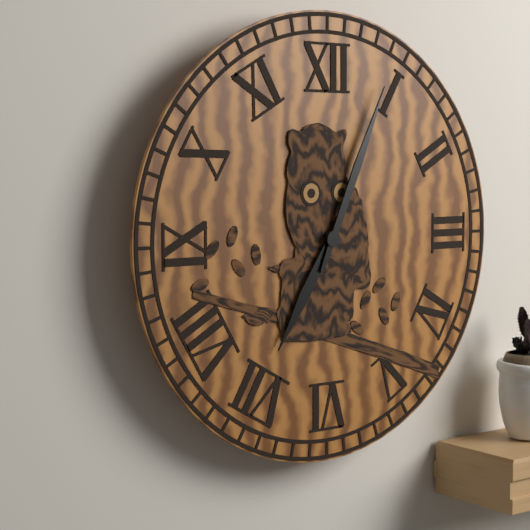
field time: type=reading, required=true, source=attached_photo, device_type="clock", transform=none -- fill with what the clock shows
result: 7:04
